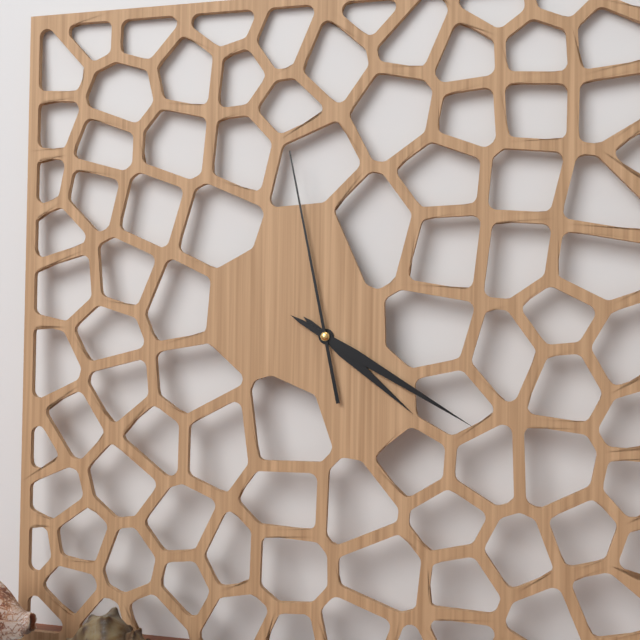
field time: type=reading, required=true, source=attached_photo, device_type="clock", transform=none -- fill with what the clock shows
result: 4:20:58
